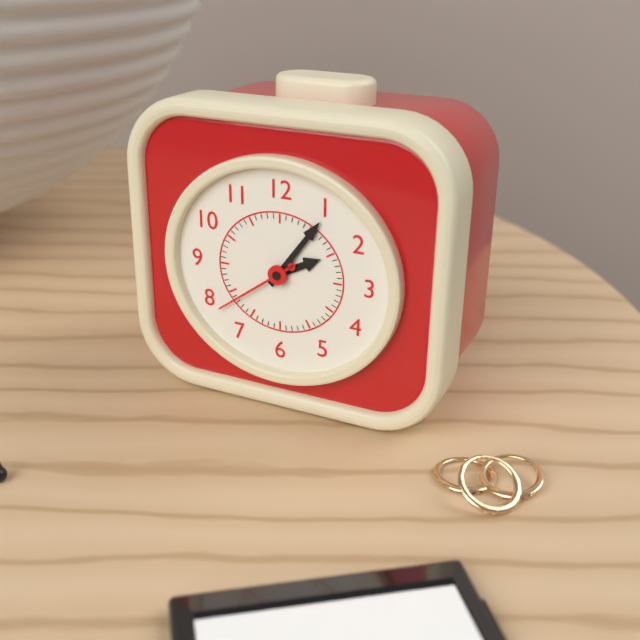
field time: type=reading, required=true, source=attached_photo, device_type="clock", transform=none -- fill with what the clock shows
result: 2:06:39
